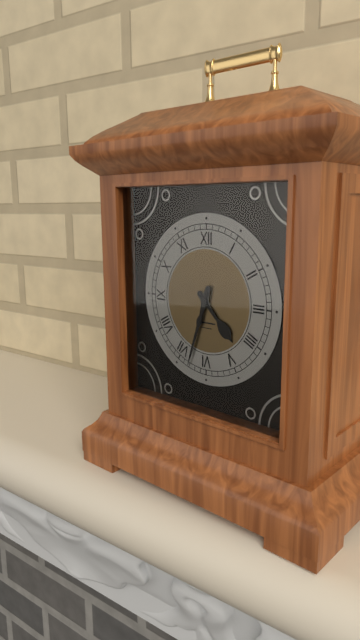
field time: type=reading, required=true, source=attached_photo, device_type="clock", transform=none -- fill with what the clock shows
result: 4:33
